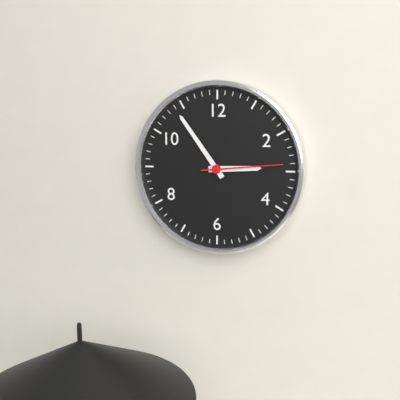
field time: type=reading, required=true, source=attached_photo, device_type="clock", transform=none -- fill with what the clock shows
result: 2:54:14
